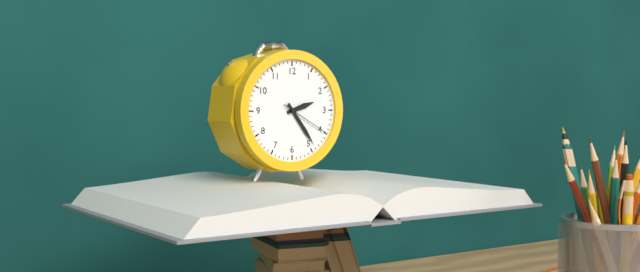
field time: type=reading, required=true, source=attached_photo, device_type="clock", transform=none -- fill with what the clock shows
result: 2:24
